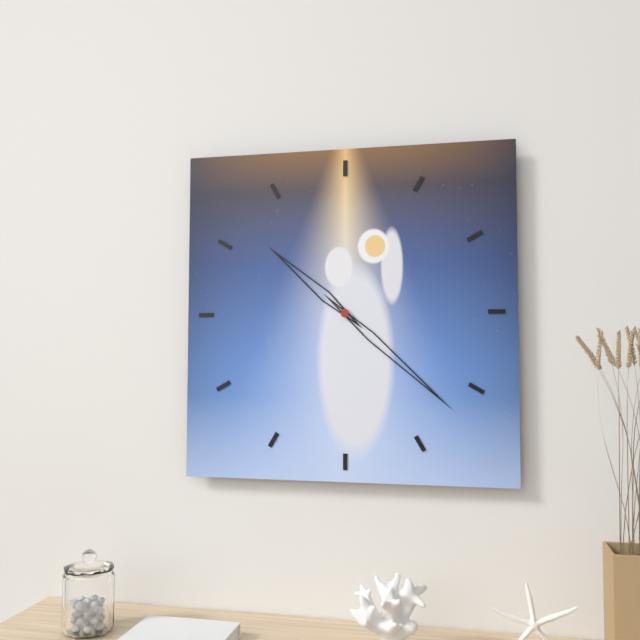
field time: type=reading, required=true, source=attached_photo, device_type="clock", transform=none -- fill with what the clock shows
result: 10:22
